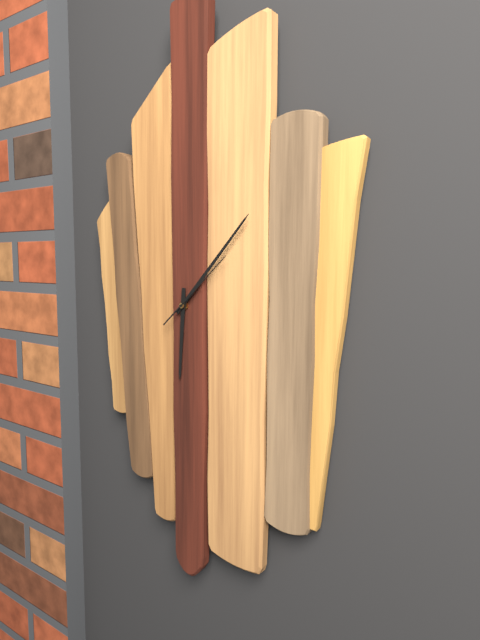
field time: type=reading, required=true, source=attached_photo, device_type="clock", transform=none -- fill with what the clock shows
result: 6:07:08
